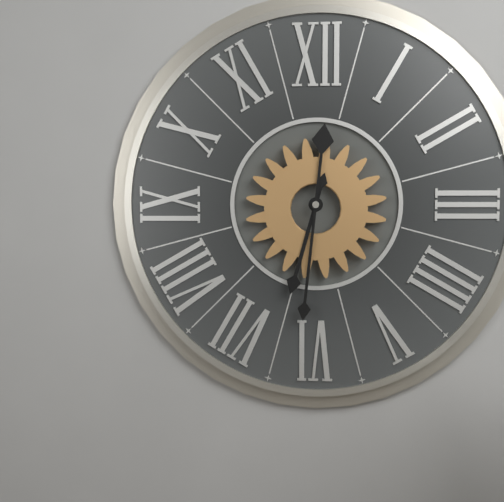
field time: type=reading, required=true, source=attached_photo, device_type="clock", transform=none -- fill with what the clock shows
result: 6:31
